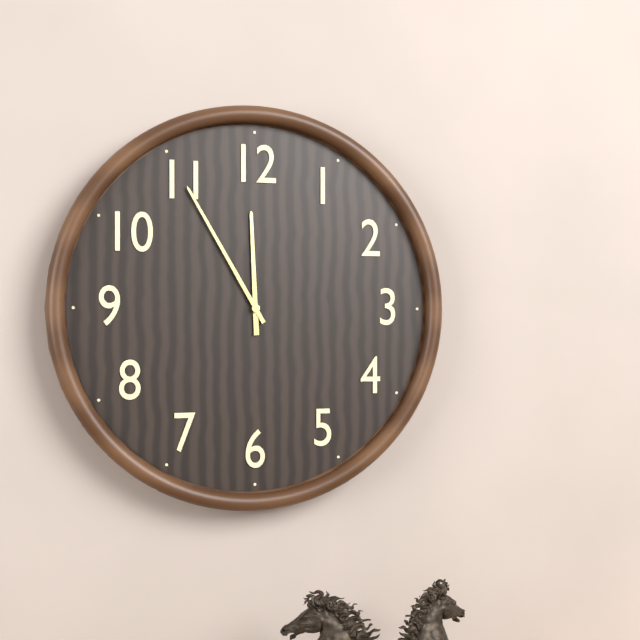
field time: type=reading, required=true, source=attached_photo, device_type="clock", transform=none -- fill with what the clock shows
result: 11:55
